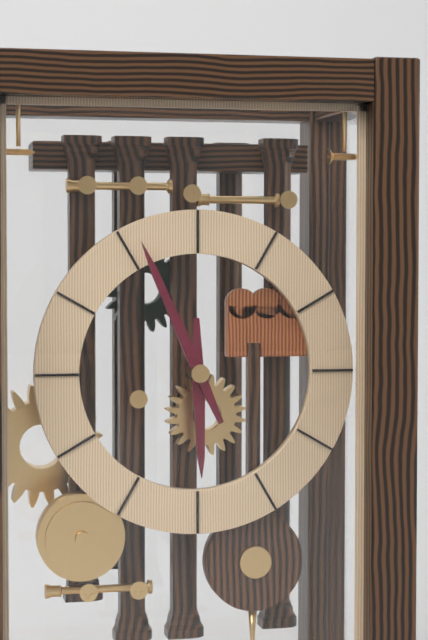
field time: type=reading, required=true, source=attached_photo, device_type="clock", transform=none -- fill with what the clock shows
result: 5:56
